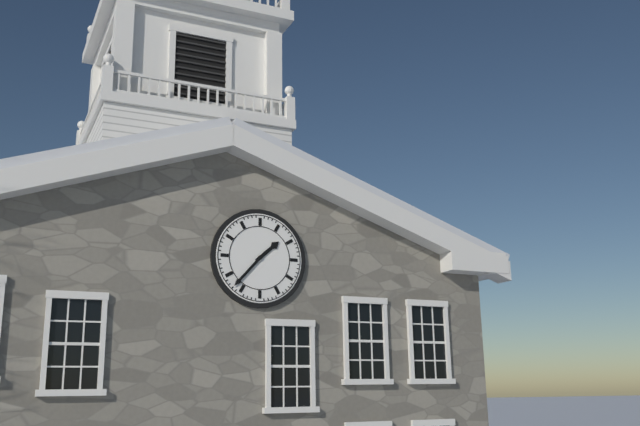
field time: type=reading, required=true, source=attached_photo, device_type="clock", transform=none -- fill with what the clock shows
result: 1:37
